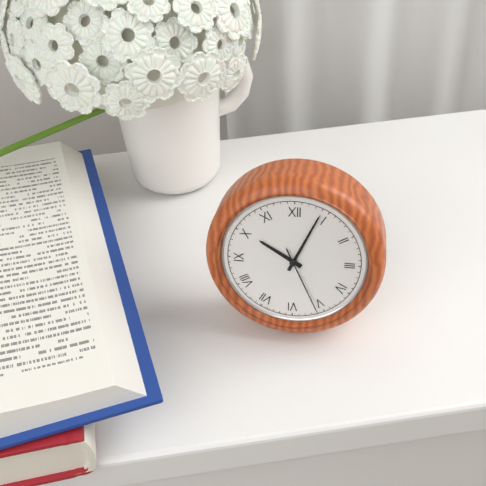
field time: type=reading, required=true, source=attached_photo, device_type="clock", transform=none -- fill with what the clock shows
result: 10:04:26
